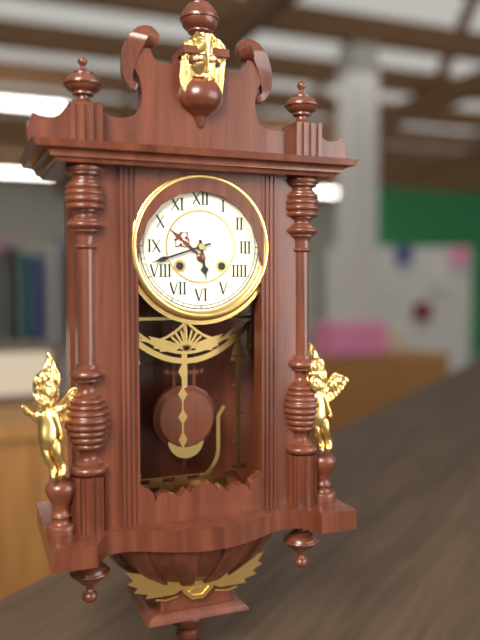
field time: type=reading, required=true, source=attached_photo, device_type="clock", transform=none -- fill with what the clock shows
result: 5:42
